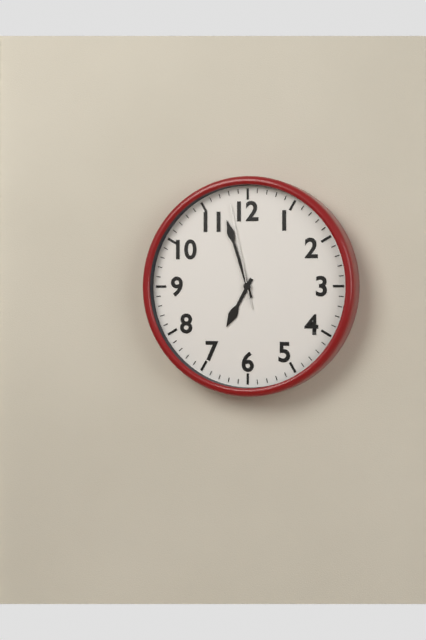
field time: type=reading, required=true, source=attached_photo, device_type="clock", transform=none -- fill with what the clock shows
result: 6:57:58
